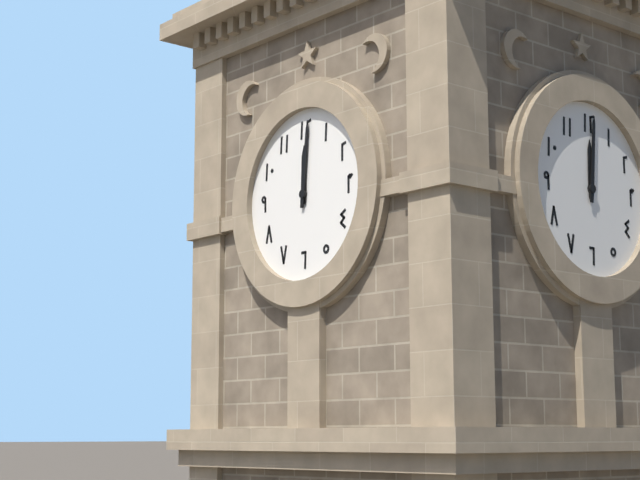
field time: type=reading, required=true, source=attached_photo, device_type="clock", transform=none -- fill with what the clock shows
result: 12:01
